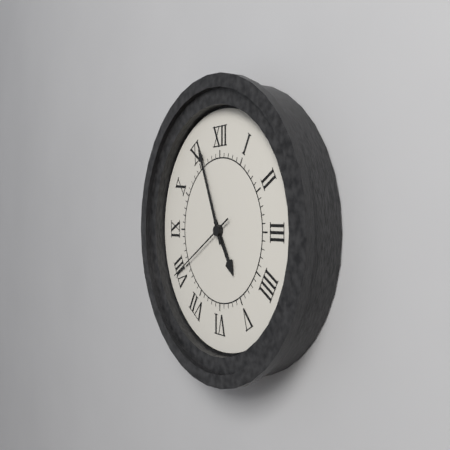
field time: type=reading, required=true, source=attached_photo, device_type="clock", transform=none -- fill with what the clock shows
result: 4:56:40
